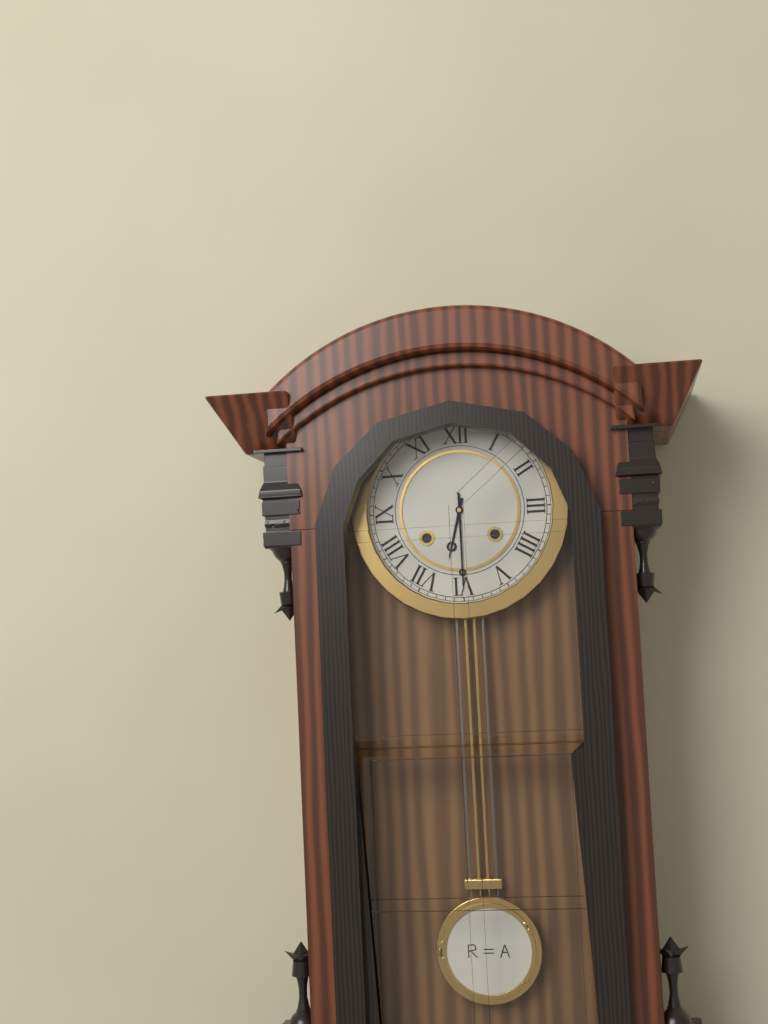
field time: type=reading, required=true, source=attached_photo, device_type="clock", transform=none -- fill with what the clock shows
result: 6:30
